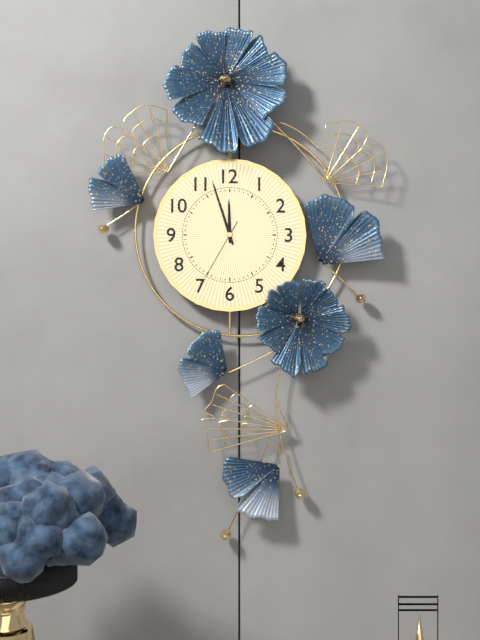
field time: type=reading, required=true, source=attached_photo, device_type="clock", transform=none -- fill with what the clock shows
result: 11:57:35
